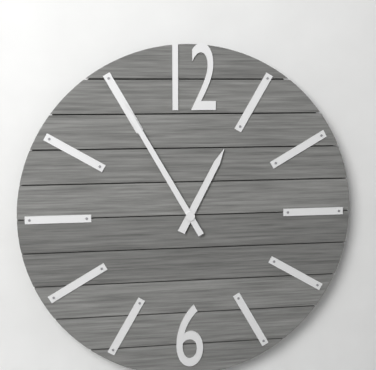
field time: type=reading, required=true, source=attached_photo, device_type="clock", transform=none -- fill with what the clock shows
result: 12:55
